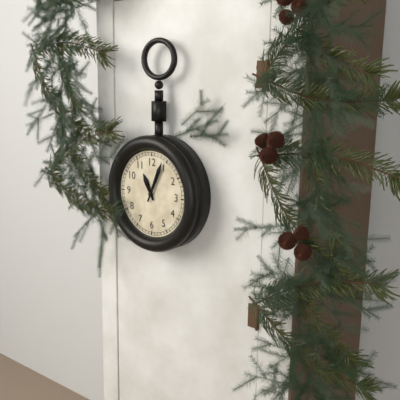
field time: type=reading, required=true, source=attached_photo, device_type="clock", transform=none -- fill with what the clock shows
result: 11:04
